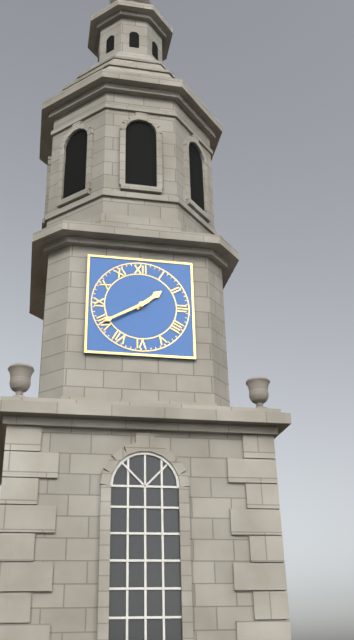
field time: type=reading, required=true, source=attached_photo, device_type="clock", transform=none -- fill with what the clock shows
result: 1:40
